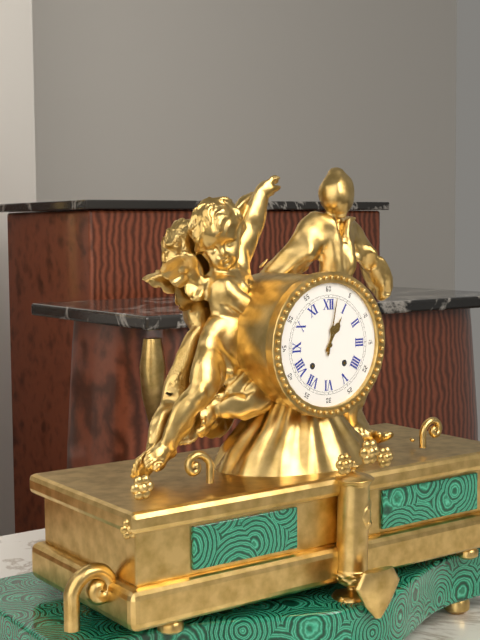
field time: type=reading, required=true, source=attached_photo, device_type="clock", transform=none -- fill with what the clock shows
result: 1:02
